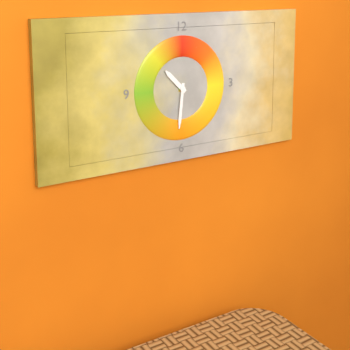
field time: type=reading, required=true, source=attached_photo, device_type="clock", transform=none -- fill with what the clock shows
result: 10:31
